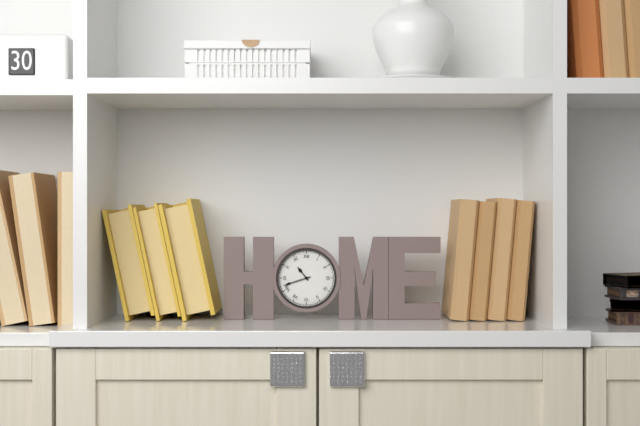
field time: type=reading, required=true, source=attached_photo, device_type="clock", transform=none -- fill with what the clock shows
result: 10:42
